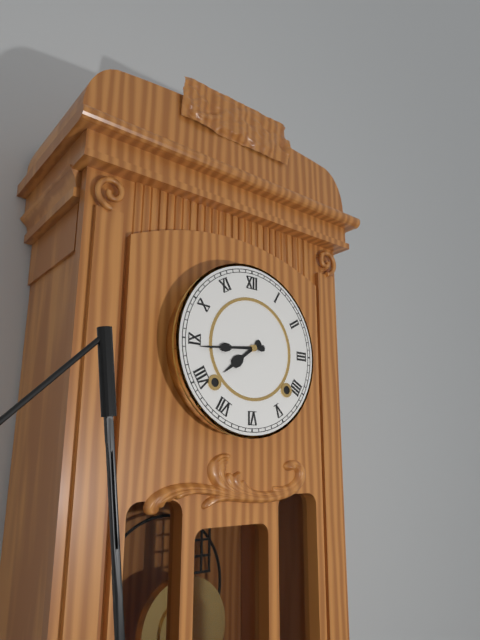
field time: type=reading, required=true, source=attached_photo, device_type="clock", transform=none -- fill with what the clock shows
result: 7:44
